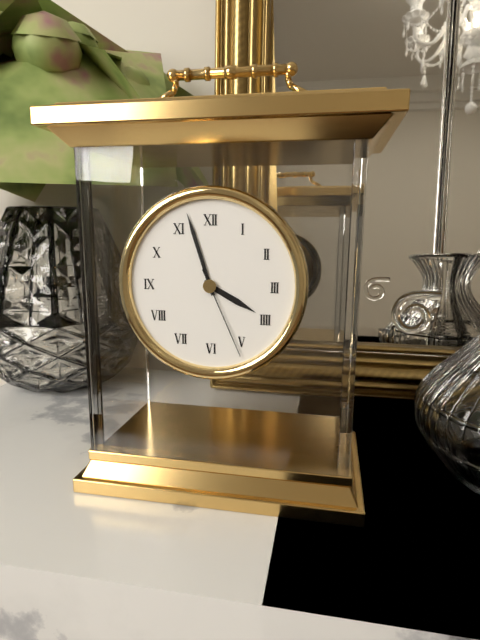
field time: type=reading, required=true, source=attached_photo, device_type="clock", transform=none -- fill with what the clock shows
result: 3:57:26
